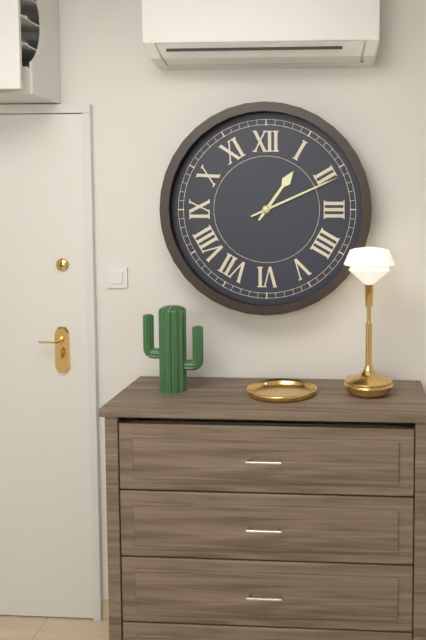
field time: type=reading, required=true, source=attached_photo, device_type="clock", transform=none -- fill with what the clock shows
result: 1:11
